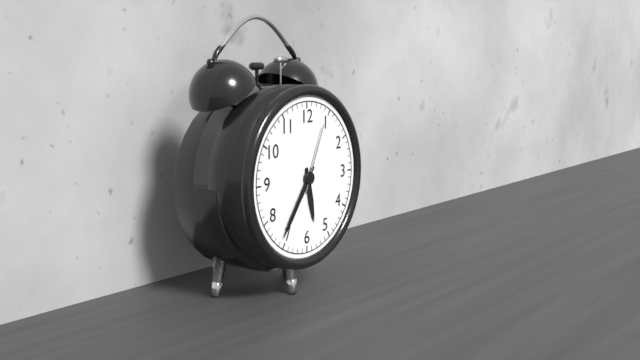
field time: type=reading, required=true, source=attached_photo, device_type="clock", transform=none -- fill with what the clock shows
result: 5:36:04
